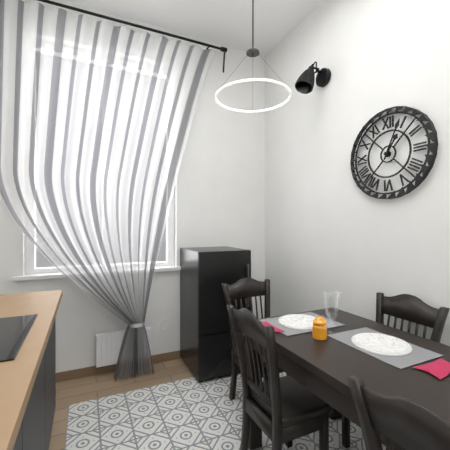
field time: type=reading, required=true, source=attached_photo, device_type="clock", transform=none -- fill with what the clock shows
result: 1:04
